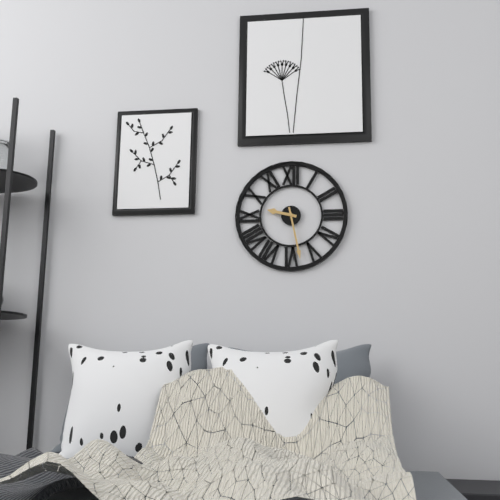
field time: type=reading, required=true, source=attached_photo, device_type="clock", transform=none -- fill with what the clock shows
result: 9:28
